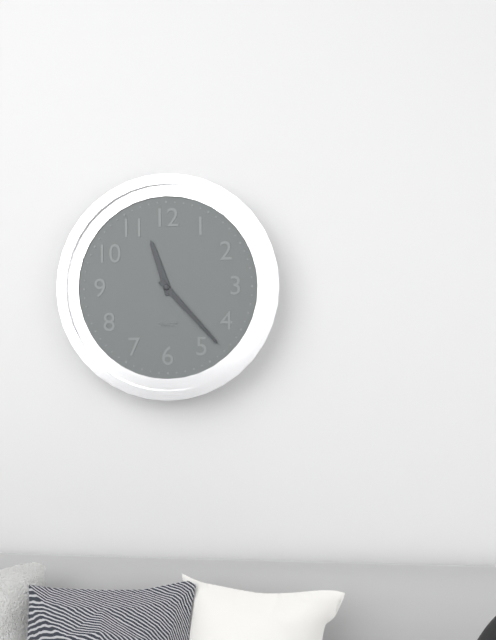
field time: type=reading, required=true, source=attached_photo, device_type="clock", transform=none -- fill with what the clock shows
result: 11:23
